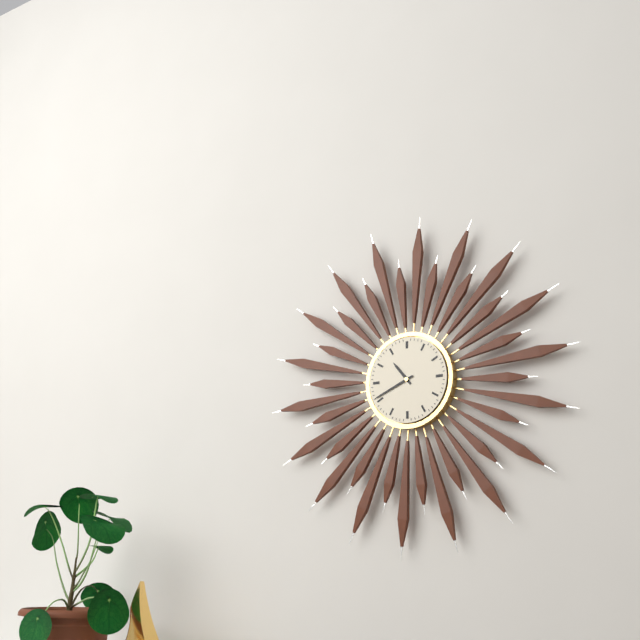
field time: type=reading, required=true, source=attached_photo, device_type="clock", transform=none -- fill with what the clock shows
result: 10:41
